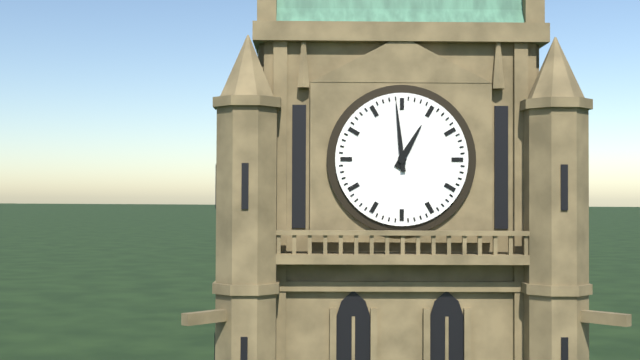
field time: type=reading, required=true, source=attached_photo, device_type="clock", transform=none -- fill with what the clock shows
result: 12:59
